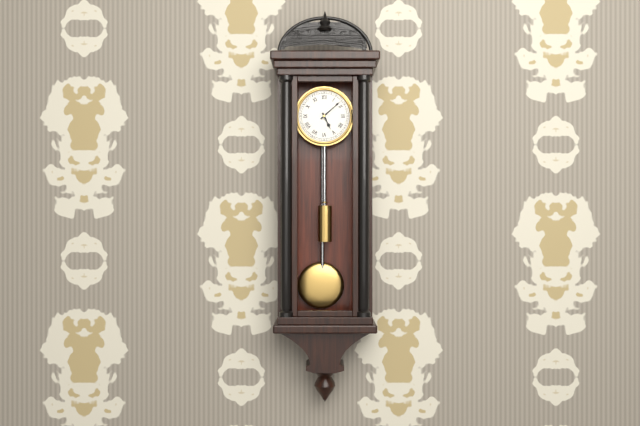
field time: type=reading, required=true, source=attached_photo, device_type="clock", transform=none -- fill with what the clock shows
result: 5:08
